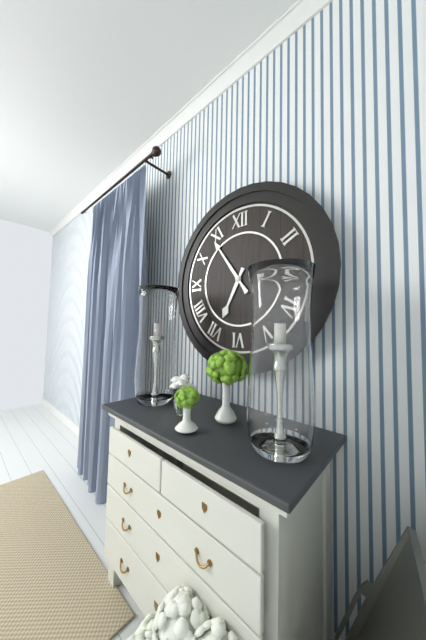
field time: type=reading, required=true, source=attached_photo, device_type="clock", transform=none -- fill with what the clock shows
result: 6:54
